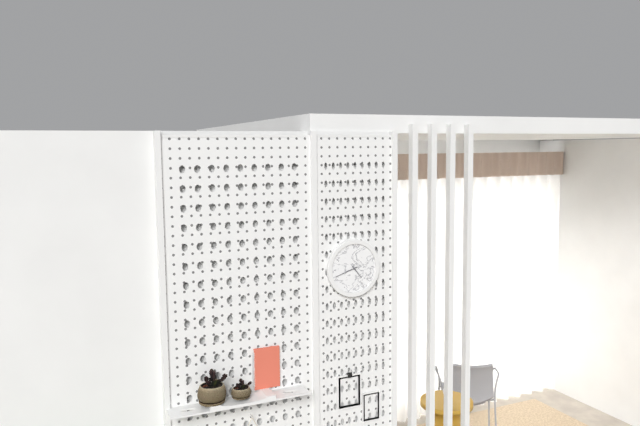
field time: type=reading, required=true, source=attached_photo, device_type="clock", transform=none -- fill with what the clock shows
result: 4:42
